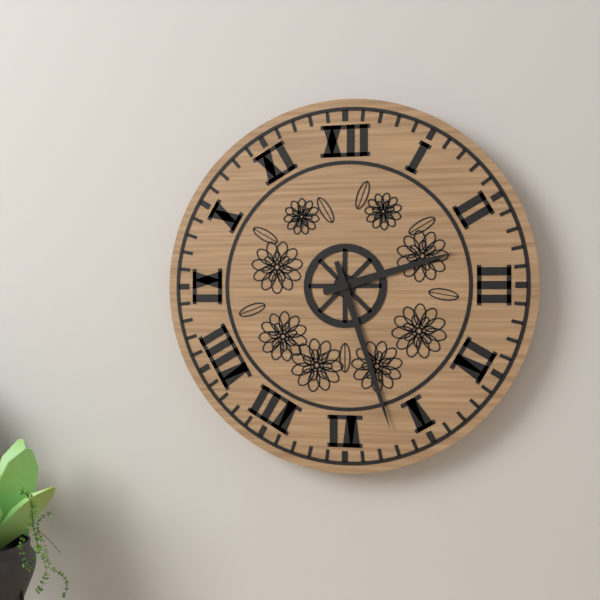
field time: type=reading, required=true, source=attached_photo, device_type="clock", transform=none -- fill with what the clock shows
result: 2:27
